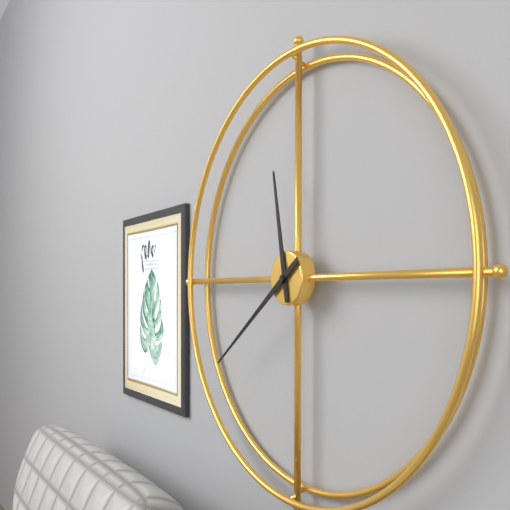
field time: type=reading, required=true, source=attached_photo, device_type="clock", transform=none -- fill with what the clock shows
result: 11:39
